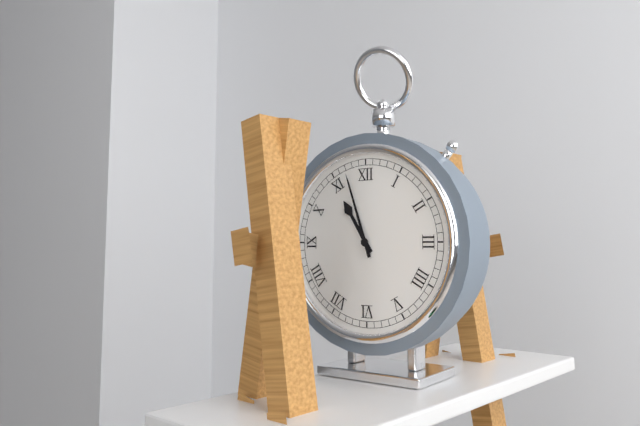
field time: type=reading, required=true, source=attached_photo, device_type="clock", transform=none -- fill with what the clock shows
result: 10:57
